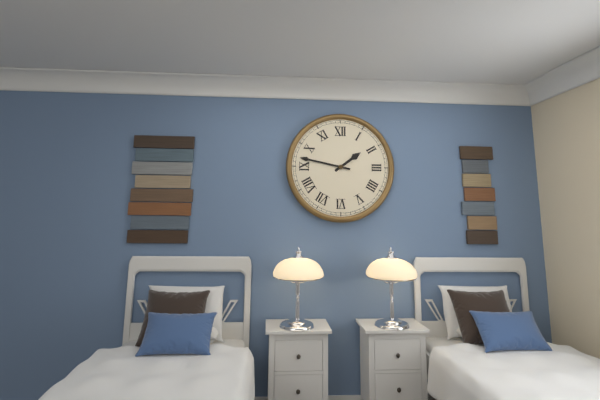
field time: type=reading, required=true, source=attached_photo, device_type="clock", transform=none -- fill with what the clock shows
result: 1:47
